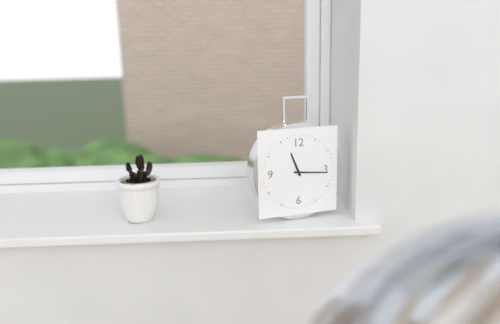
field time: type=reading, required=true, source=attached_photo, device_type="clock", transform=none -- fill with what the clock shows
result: 11:16
